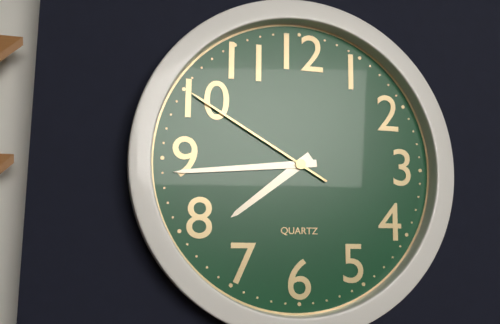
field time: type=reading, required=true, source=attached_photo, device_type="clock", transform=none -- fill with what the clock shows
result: 7:44:50
